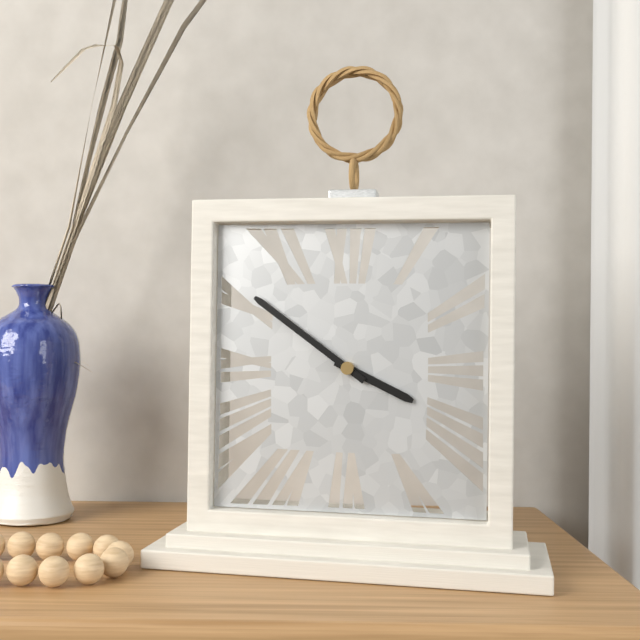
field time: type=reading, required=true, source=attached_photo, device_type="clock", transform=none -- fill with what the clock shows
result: 3:51
